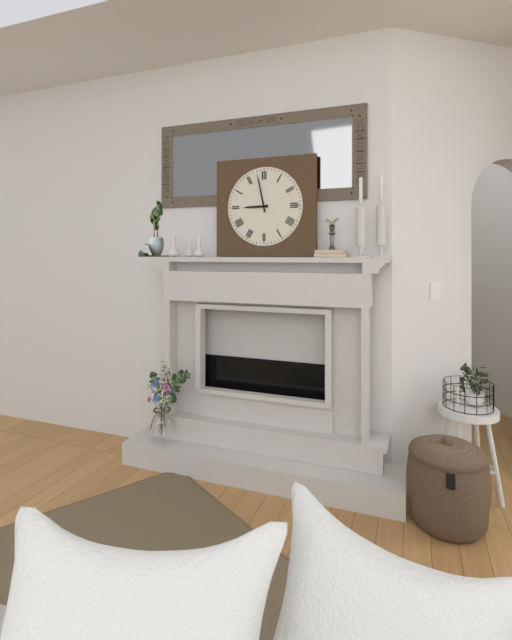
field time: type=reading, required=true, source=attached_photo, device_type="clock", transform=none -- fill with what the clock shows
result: 8:58
